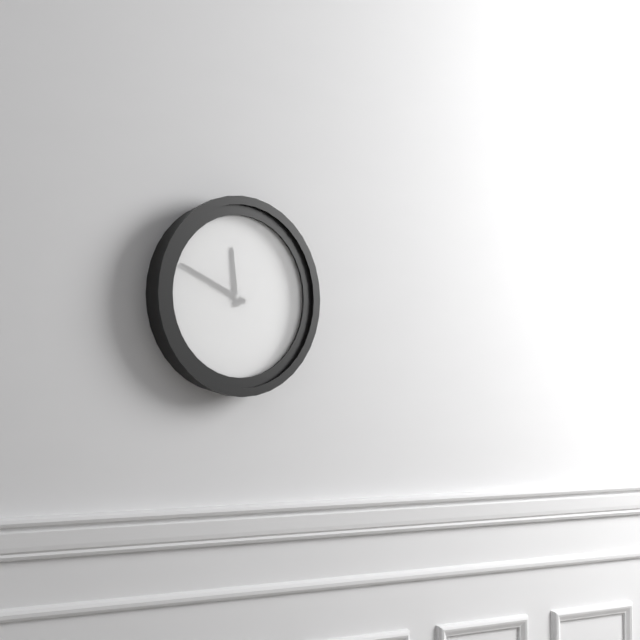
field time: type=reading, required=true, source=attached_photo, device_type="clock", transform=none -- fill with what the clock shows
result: 11:49
